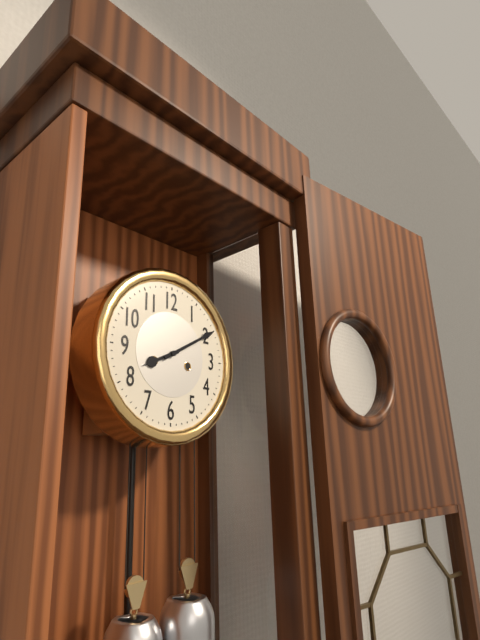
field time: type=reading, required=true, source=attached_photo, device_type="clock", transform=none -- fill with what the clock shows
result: 8:10
